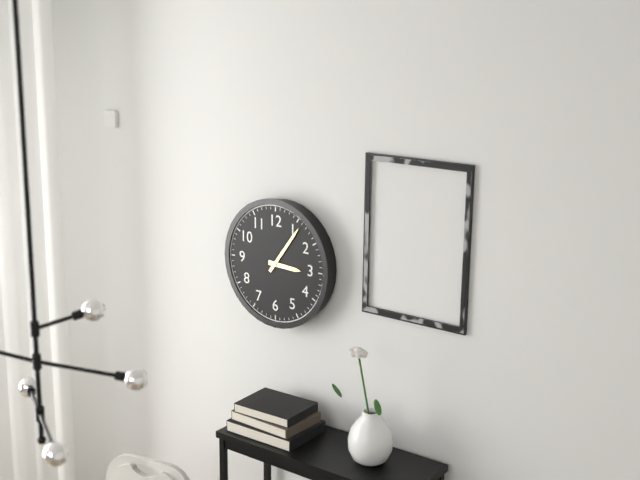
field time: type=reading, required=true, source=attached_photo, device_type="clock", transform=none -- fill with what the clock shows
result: 3:06
